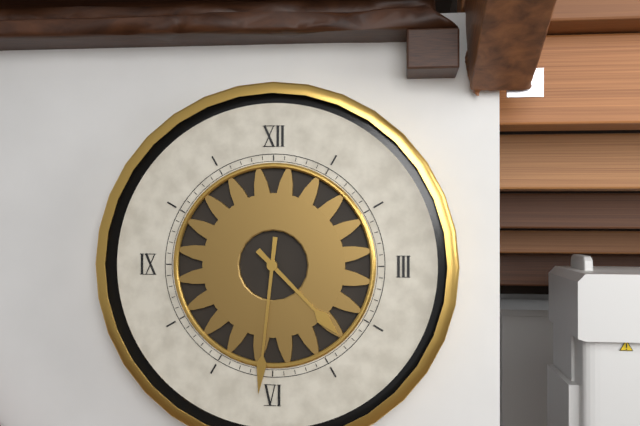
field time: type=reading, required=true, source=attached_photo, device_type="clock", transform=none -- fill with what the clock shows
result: 4:31
